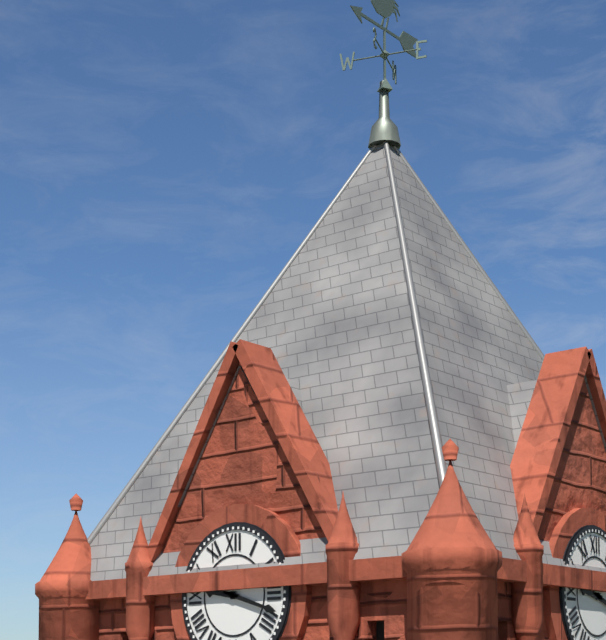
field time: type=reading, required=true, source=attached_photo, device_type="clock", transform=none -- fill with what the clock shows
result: 9:18
